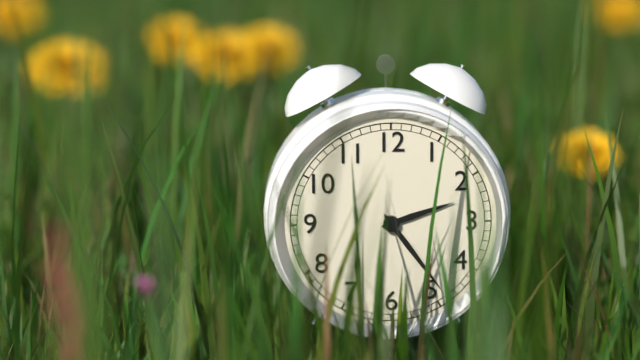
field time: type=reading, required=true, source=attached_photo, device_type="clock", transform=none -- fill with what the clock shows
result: 2:24
